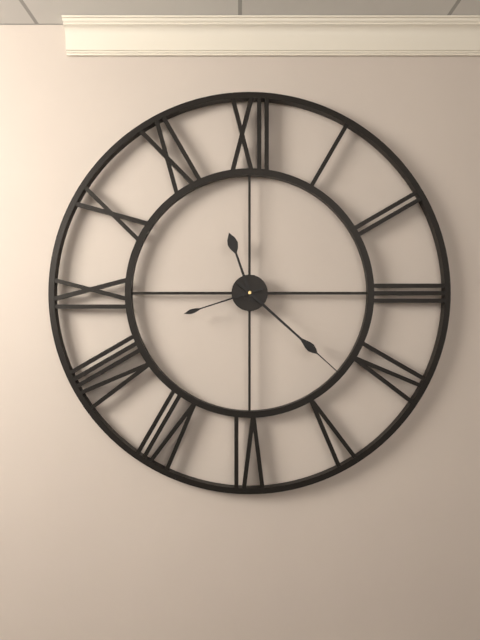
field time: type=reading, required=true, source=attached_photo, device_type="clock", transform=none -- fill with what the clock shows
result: 11:22:42
